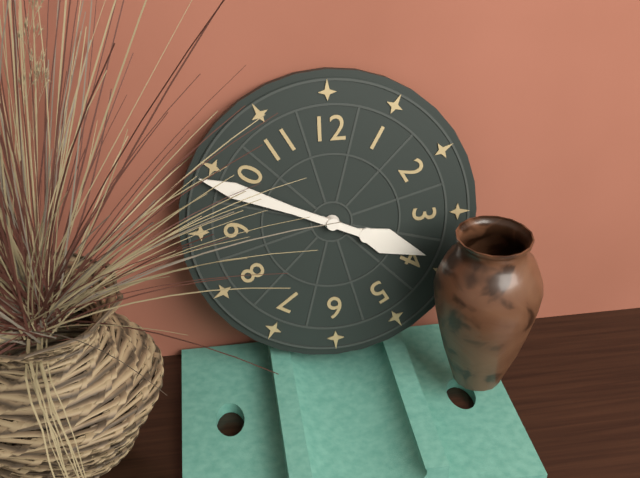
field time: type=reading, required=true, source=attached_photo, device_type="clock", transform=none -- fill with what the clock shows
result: 3:49
